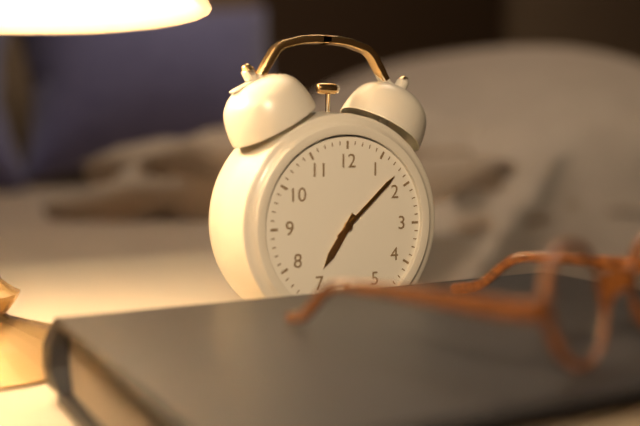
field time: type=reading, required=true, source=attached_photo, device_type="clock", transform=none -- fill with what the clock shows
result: 7:08
